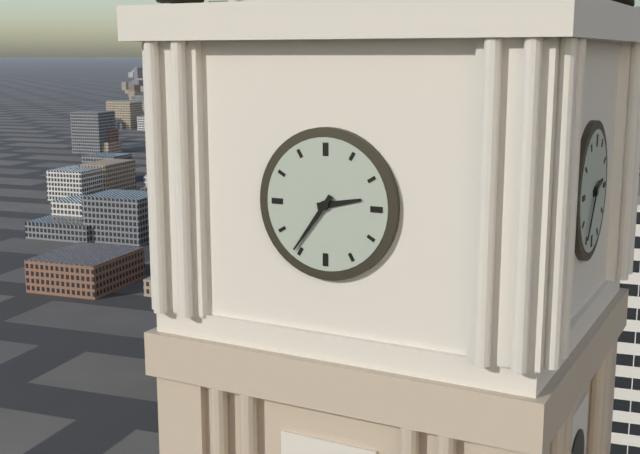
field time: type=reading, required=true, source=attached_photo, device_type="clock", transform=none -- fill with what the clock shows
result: 2:36
